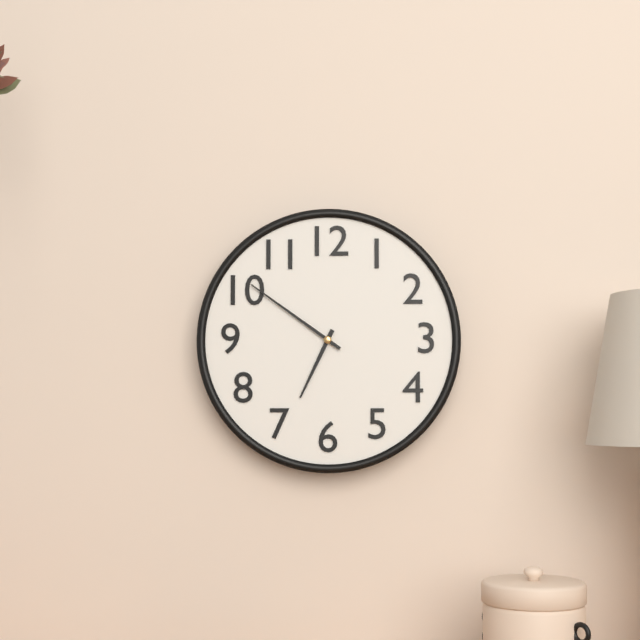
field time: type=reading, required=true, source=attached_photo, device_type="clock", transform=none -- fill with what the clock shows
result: 6:51
